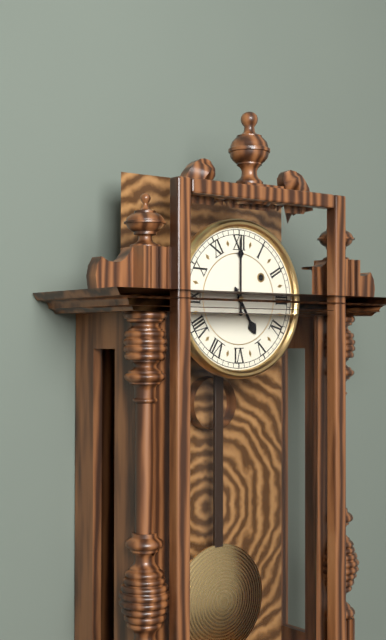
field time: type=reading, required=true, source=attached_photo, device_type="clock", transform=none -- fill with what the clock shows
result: 5:00
